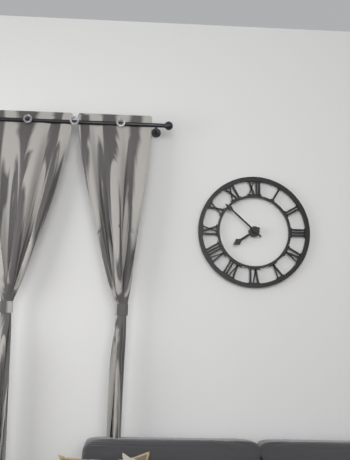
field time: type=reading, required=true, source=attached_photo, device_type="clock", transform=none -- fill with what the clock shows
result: 7:52
